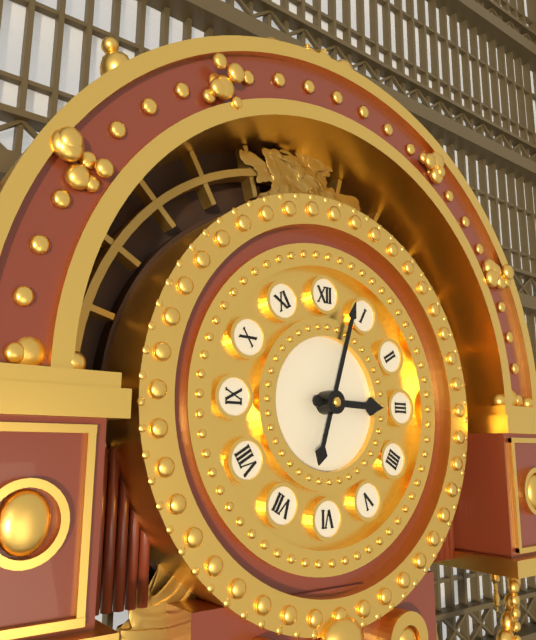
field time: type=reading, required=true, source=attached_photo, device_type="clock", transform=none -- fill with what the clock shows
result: 3:03
